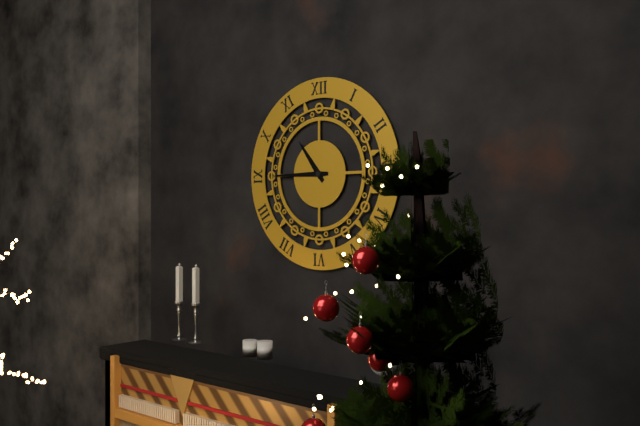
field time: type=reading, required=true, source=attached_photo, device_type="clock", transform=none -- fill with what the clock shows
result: 10:45
